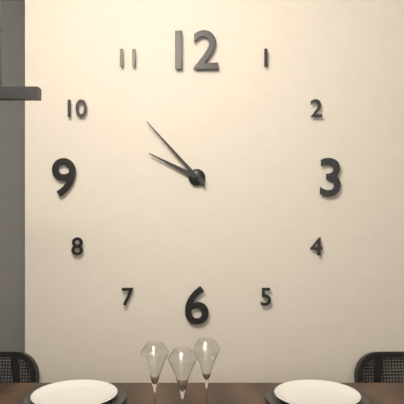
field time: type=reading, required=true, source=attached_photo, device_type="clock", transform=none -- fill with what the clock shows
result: 9:53
